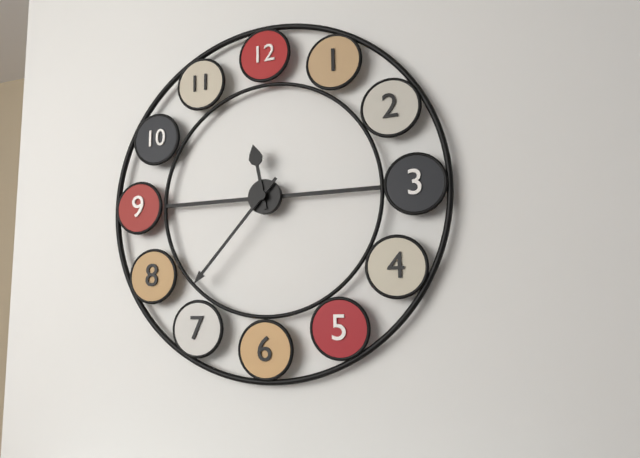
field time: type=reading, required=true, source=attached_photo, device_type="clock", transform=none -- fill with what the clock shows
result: 11:37
